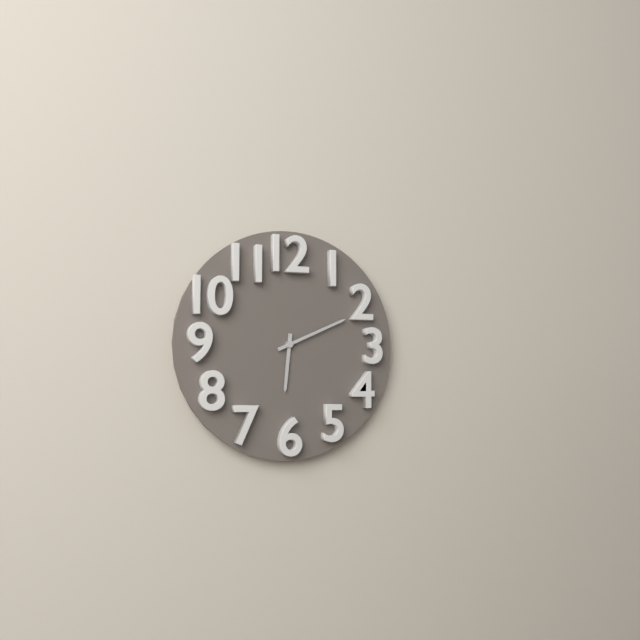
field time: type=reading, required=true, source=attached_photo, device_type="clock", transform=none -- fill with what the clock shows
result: 6:11
